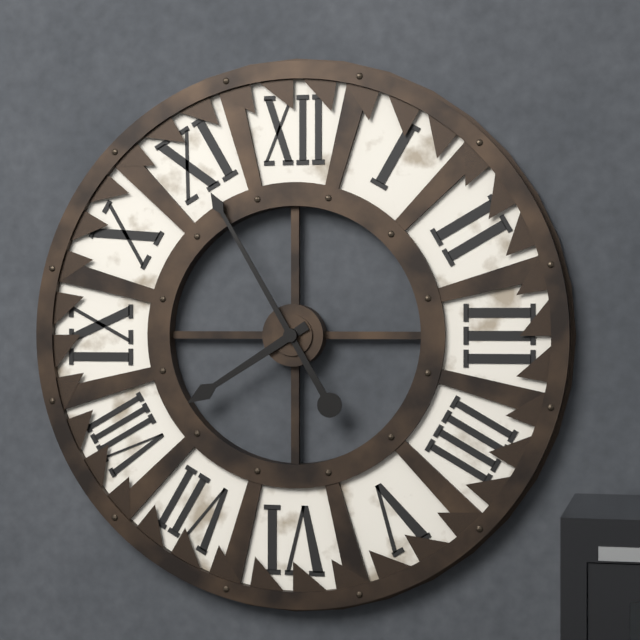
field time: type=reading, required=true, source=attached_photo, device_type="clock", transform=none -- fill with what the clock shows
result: 7:55
